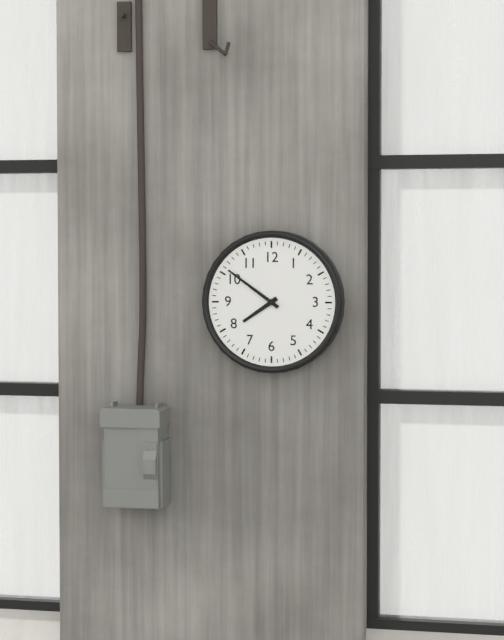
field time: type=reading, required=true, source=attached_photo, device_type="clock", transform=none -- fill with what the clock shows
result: 7:51
